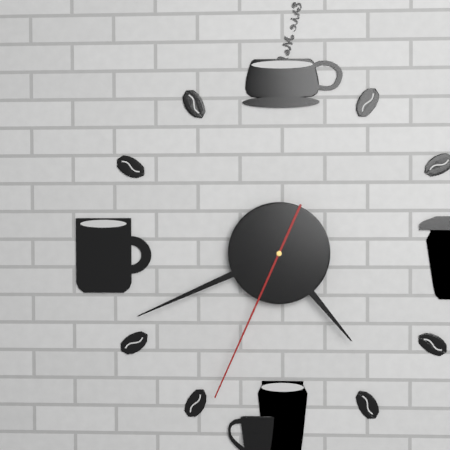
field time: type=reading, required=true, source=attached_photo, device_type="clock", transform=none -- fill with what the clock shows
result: 4:41:34
